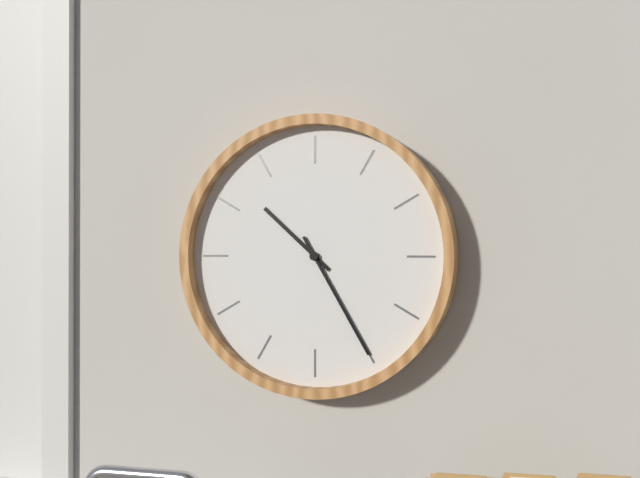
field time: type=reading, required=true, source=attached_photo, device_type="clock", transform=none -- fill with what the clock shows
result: 10:25
